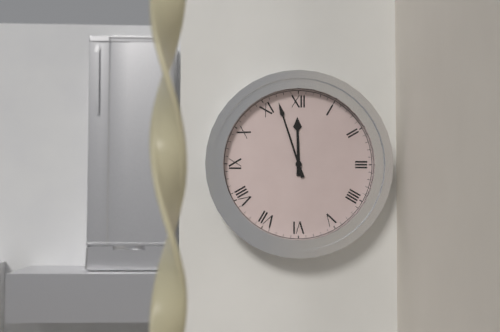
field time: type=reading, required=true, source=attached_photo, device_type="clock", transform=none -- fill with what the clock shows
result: 11:57
